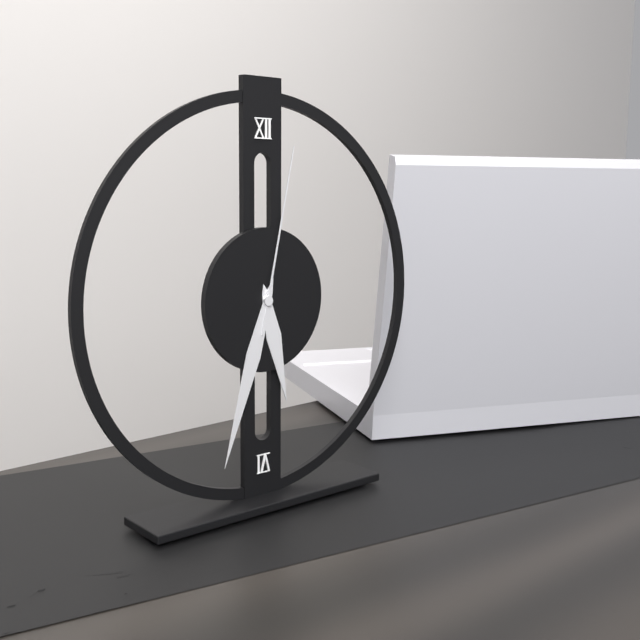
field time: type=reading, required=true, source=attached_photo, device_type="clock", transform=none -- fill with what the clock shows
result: 5:33:02
